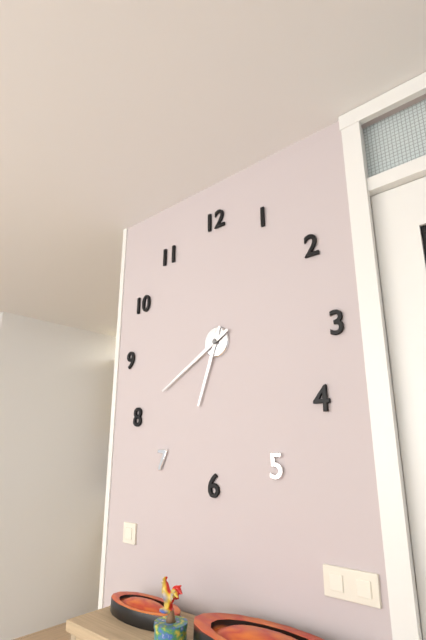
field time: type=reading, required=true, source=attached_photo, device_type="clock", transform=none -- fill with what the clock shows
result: 6:40
